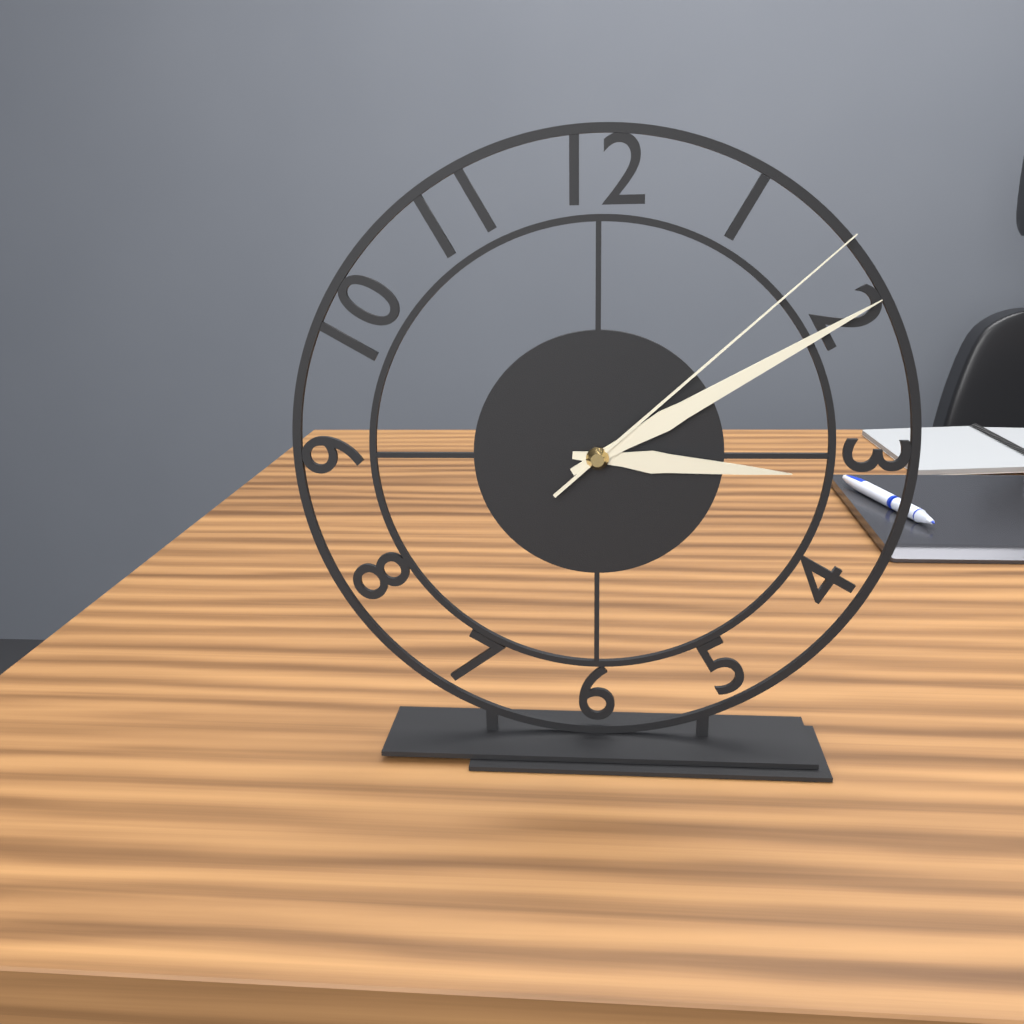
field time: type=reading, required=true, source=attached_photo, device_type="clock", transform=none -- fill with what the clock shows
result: 3:10:08
